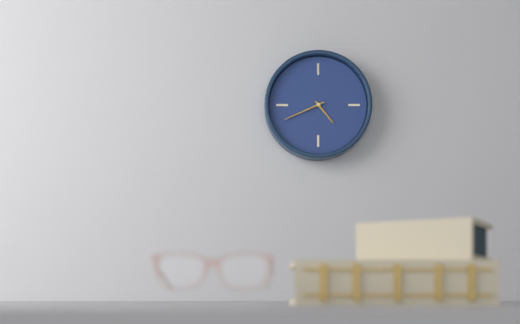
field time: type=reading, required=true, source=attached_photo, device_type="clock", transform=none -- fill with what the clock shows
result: 4:41
